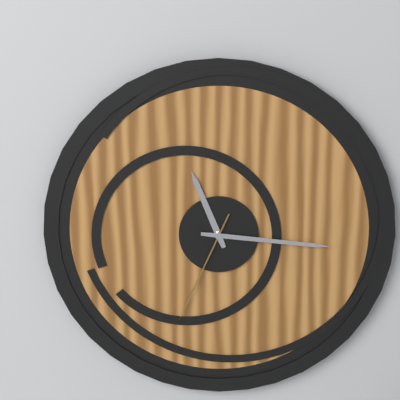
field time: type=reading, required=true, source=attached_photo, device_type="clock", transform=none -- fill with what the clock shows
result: 11:16:34
